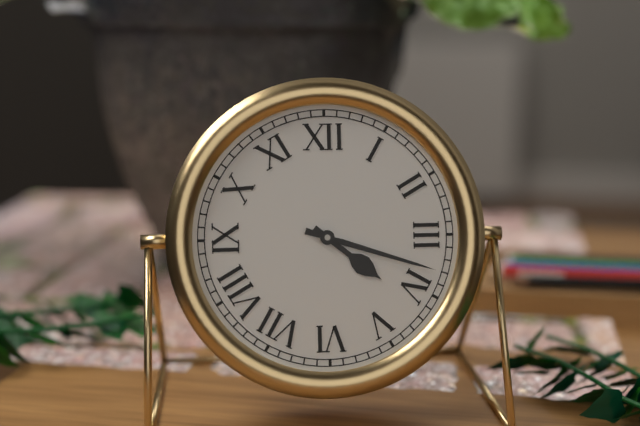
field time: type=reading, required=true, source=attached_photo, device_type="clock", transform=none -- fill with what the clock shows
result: 4:18
